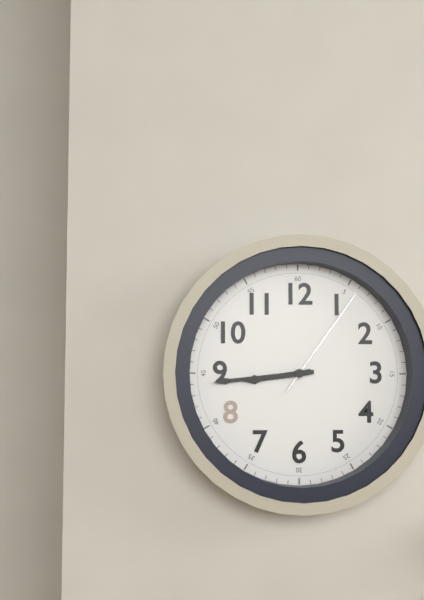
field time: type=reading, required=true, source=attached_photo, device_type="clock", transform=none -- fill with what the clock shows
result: 8:44:06
